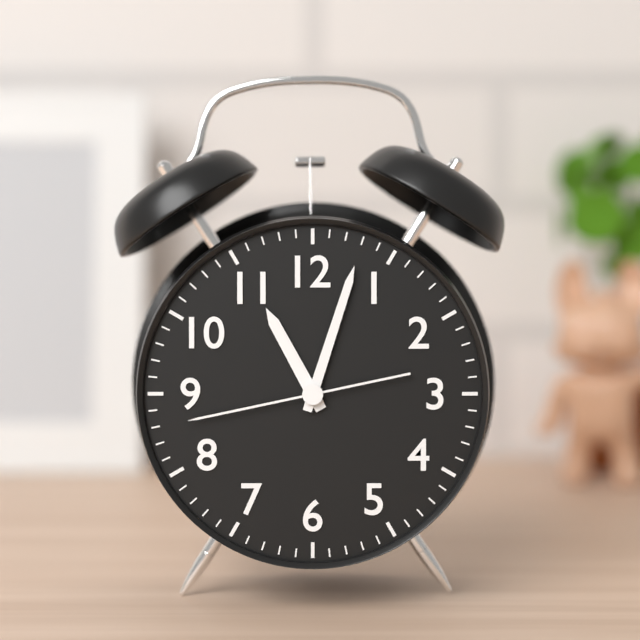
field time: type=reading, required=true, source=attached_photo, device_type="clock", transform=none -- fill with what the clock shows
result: 11:03:43
